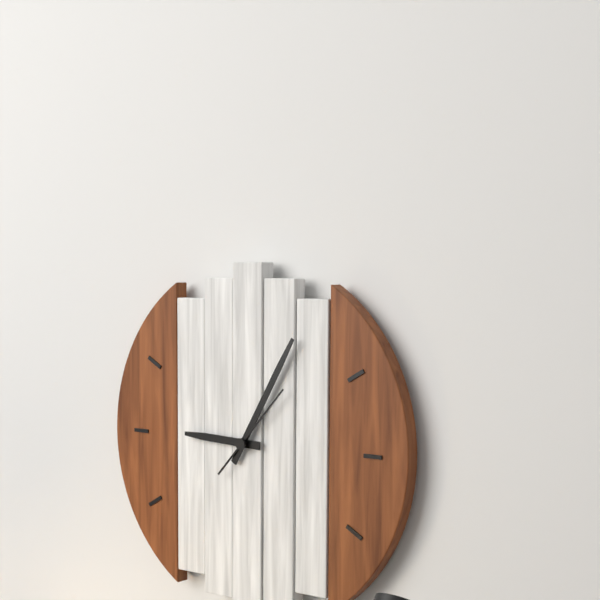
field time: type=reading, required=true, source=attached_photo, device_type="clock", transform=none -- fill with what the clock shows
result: 9:05:07
